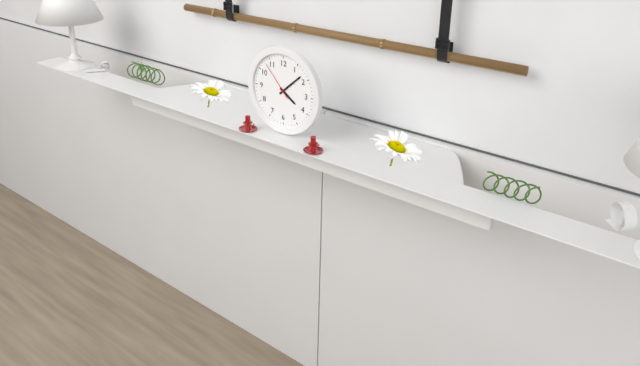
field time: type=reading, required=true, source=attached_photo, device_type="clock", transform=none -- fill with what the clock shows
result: 4:08
